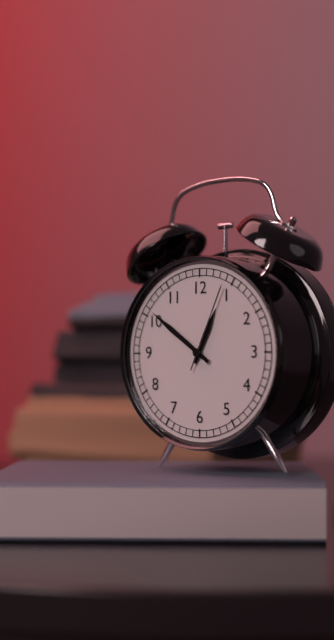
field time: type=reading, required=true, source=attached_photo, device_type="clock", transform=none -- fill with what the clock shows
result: 12:51:04
